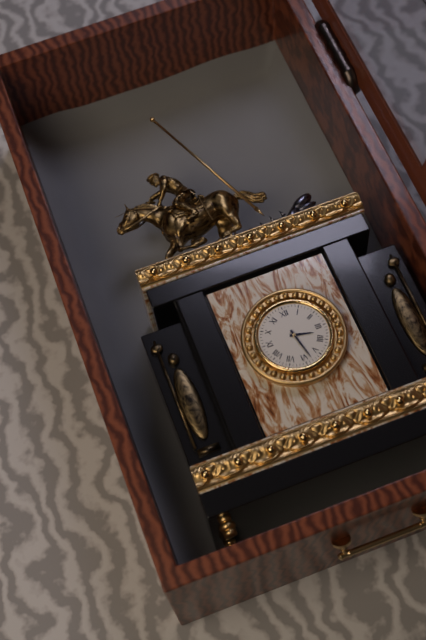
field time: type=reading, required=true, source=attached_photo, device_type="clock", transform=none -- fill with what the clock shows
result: 3:28
